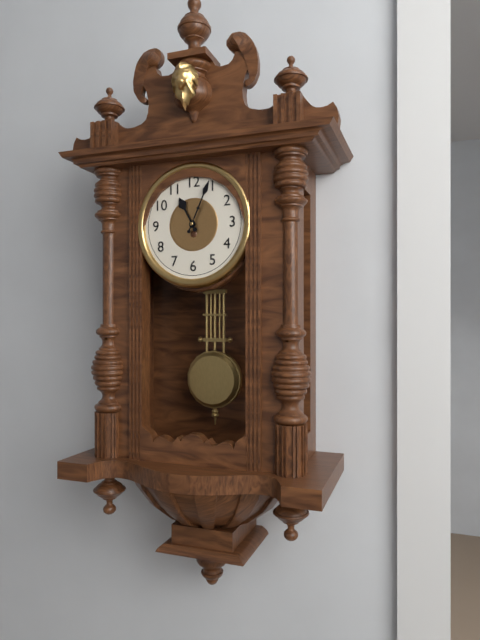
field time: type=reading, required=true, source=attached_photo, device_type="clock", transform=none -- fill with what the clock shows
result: 11:04
